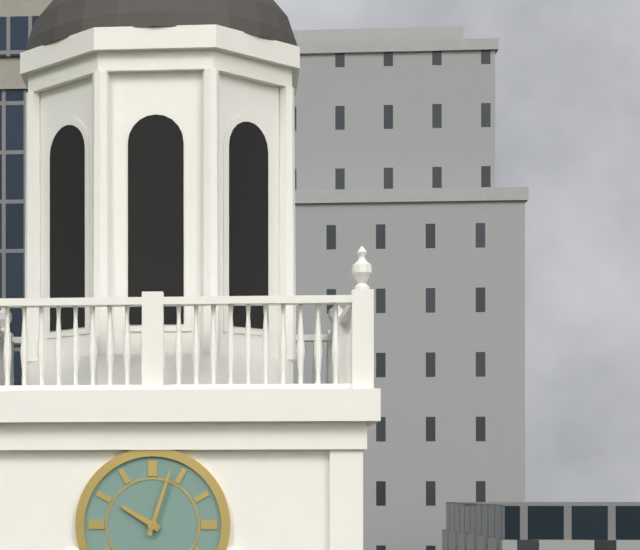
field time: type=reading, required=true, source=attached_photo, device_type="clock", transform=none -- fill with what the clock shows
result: 10:03
